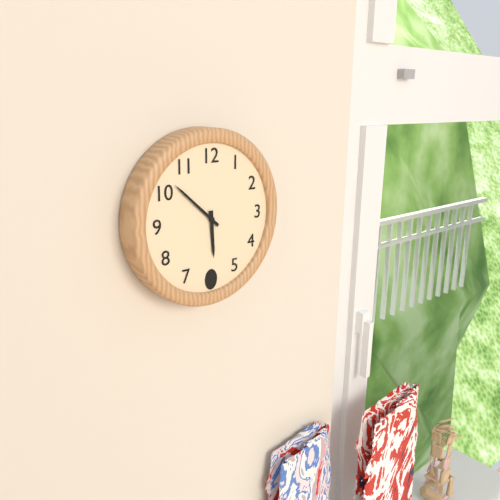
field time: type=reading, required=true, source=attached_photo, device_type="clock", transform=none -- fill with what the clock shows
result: 5:52
